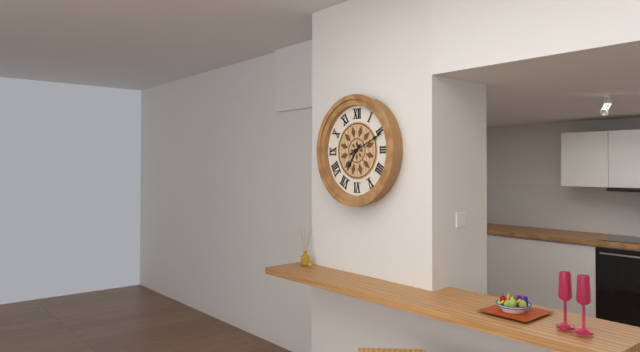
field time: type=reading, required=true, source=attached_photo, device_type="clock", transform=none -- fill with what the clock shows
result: 7:11
